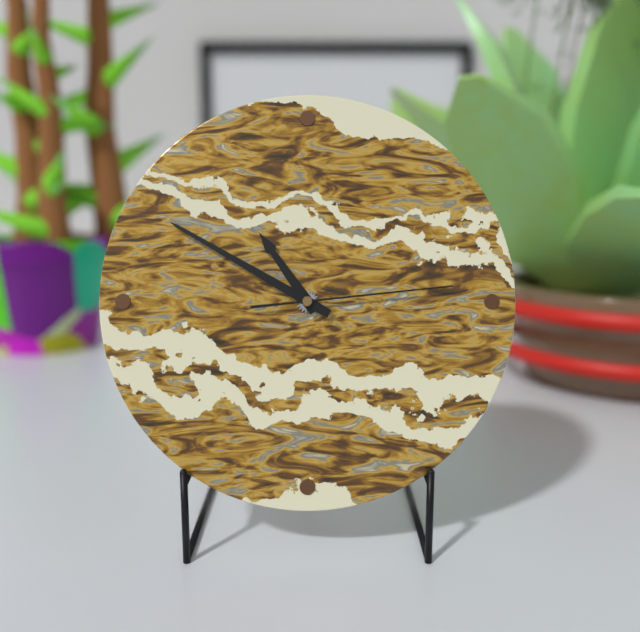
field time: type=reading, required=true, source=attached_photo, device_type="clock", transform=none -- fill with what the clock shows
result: 10:50:14
